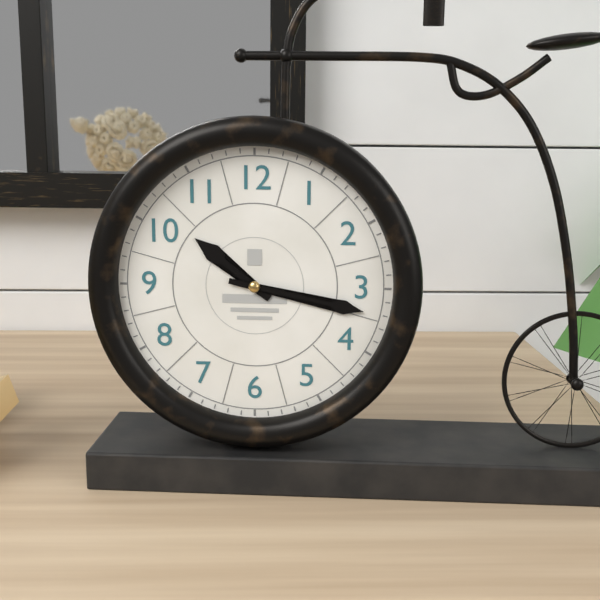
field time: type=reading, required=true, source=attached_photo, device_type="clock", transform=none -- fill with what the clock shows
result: 10:17
